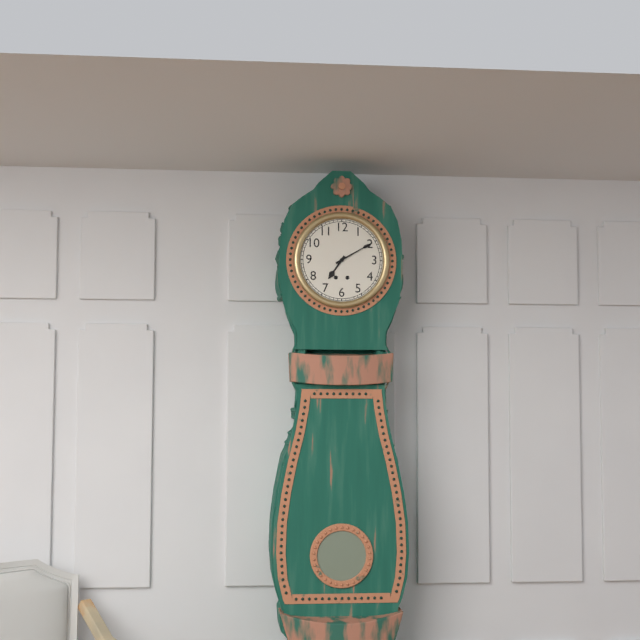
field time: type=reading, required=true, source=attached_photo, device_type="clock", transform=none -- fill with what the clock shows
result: 7:10
